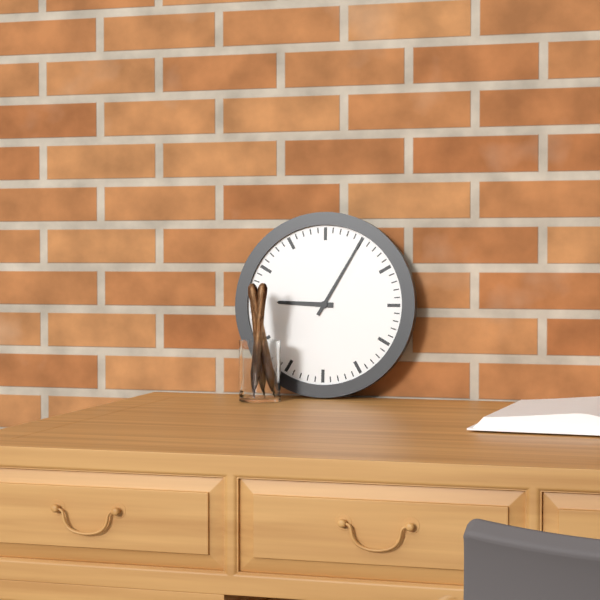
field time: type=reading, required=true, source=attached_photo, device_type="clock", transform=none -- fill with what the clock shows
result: 9:05
